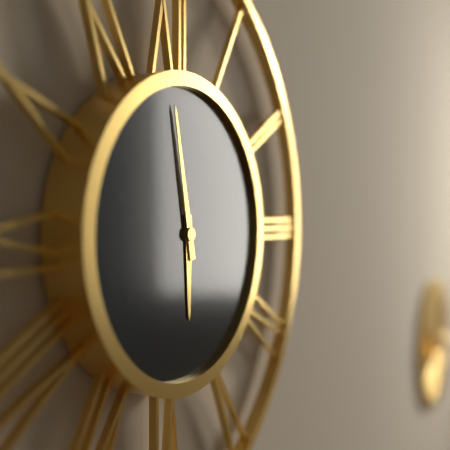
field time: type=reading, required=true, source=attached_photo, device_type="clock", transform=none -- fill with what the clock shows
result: 5:58
